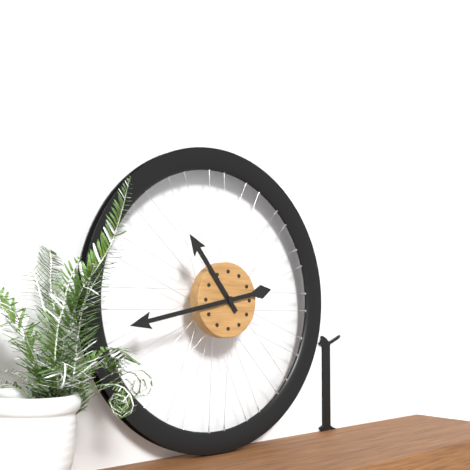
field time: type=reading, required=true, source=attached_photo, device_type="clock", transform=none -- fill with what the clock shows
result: 10:43
